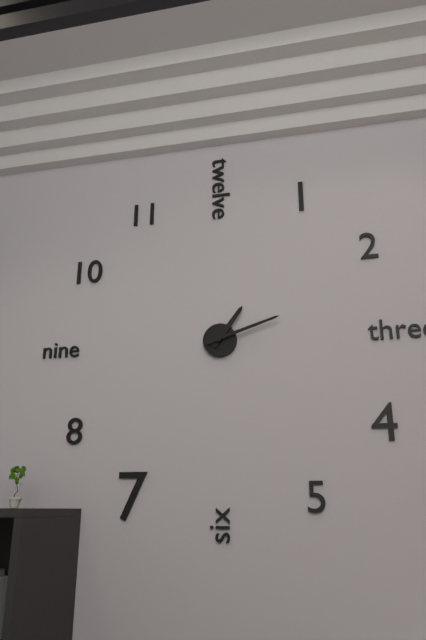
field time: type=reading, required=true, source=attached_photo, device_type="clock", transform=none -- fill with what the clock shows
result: 1:12
